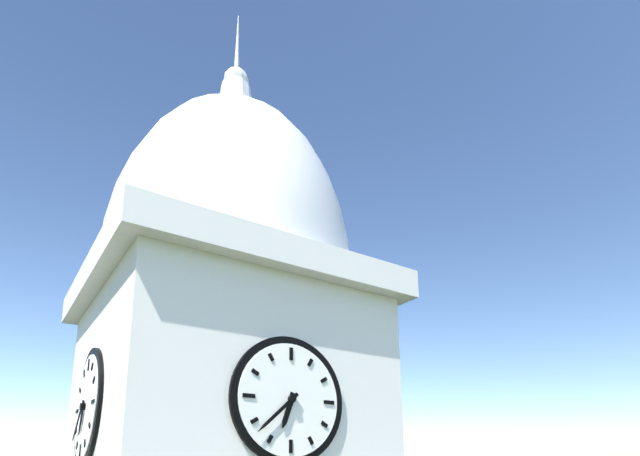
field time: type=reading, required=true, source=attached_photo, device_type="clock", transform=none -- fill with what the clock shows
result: 6:38
